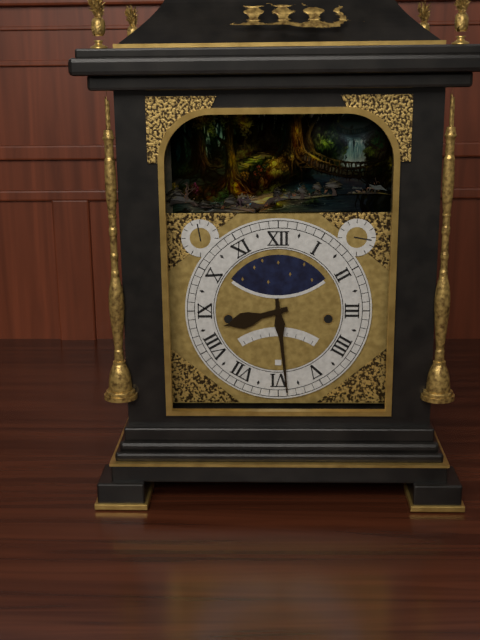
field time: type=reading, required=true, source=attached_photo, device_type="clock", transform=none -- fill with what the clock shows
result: 8:29
